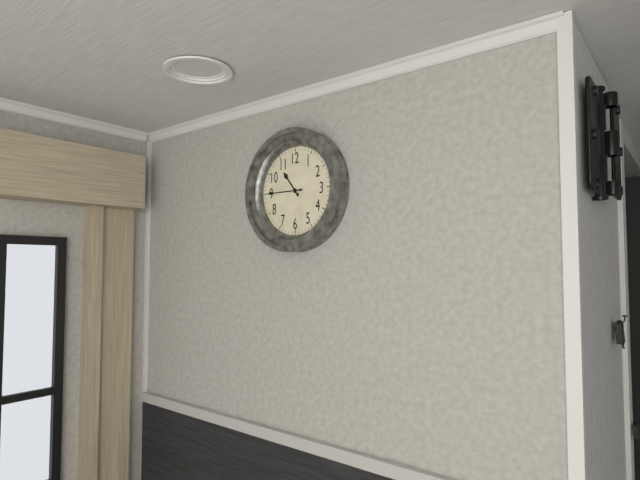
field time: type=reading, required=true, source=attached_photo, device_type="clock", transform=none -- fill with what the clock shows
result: 10:45
